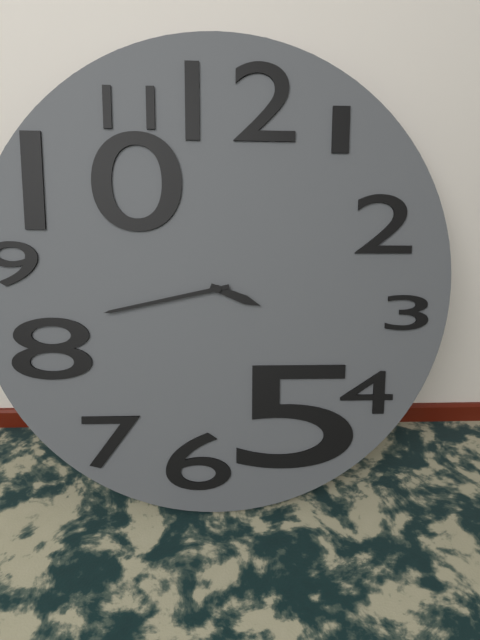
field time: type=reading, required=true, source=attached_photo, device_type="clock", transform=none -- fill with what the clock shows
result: 3:43
